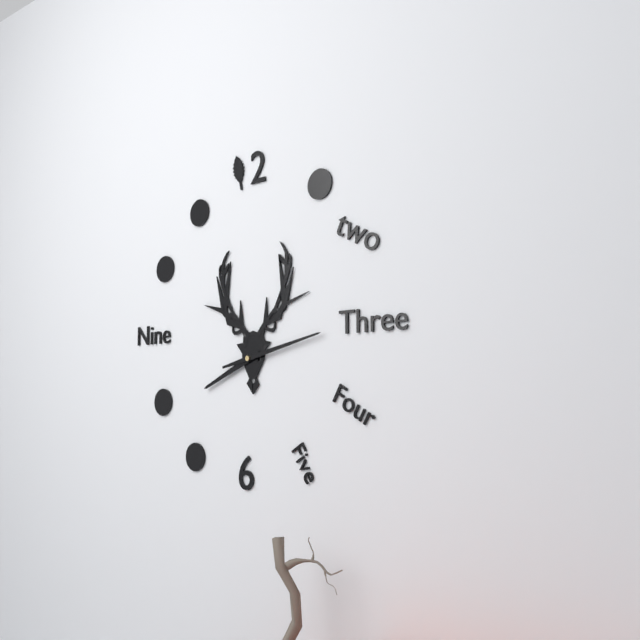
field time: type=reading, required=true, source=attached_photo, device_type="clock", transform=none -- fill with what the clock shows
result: 8:13
